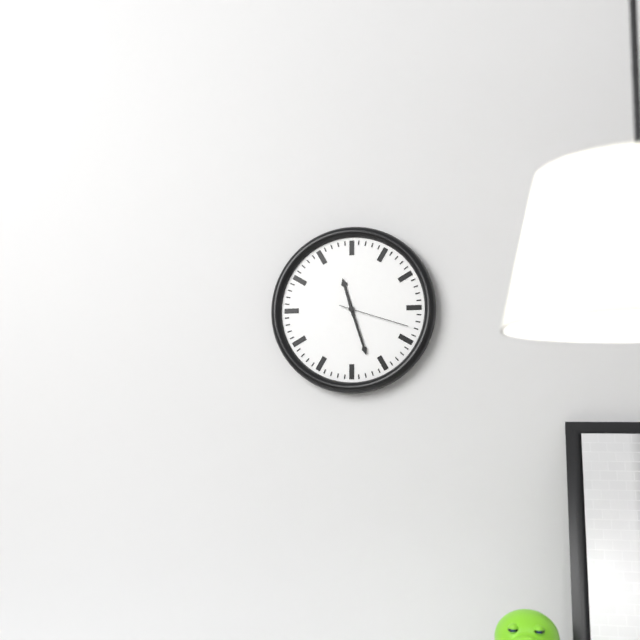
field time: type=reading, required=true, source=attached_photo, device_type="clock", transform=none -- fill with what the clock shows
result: 11:27:18
